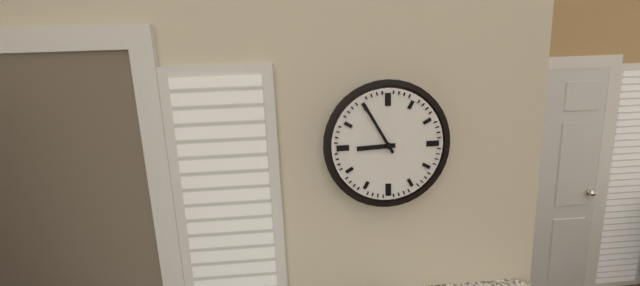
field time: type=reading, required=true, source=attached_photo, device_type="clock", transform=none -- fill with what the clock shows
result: 8:55
